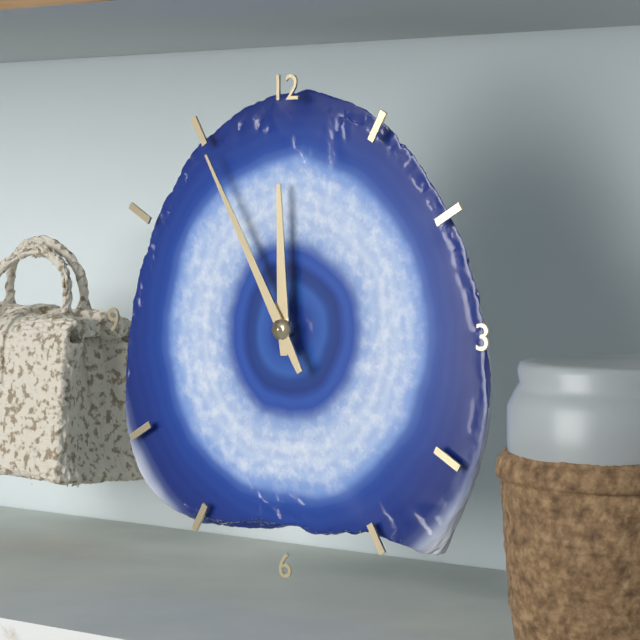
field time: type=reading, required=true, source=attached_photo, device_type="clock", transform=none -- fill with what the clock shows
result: 11:55
